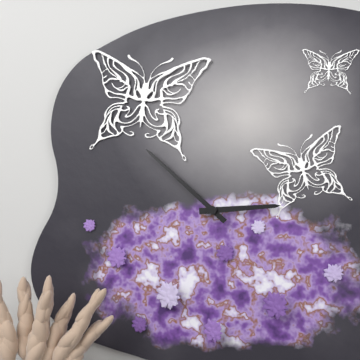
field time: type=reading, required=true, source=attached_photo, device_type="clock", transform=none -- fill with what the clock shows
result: 2:52
